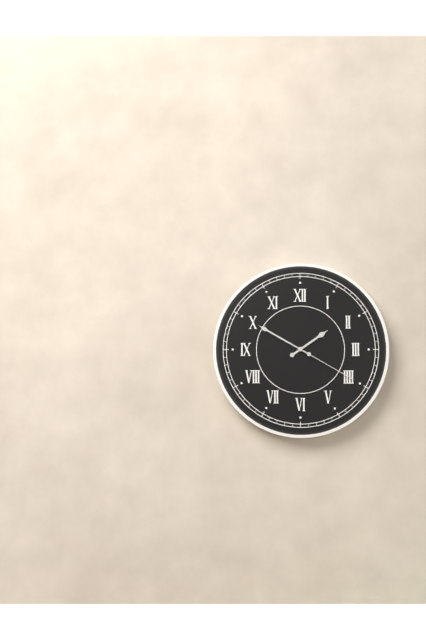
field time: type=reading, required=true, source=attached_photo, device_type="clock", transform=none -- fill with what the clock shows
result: 1:50:20
